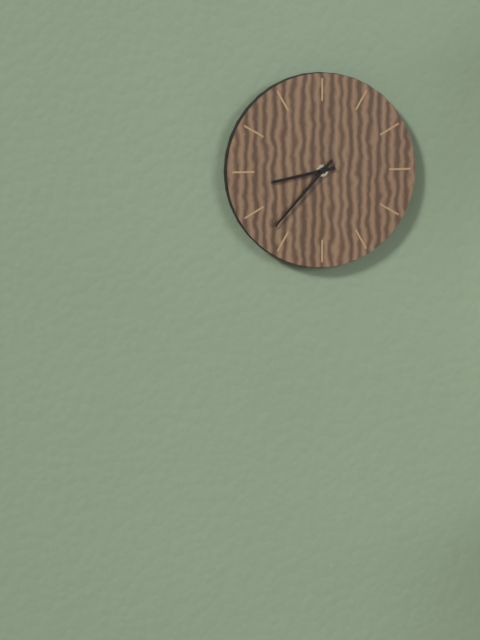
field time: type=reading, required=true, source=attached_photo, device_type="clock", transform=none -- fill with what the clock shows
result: 8:37
